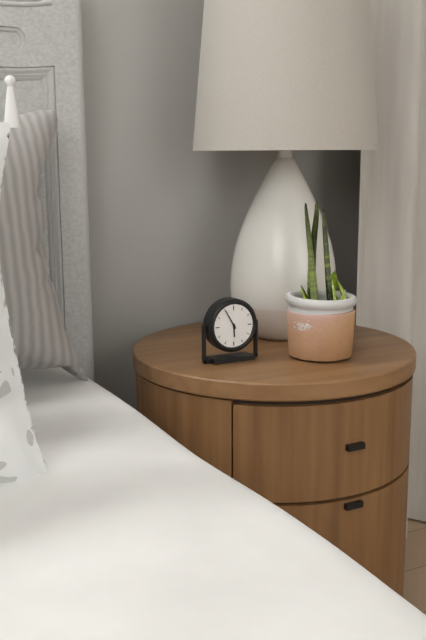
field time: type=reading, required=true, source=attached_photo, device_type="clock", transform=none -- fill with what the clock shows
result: 5:55
